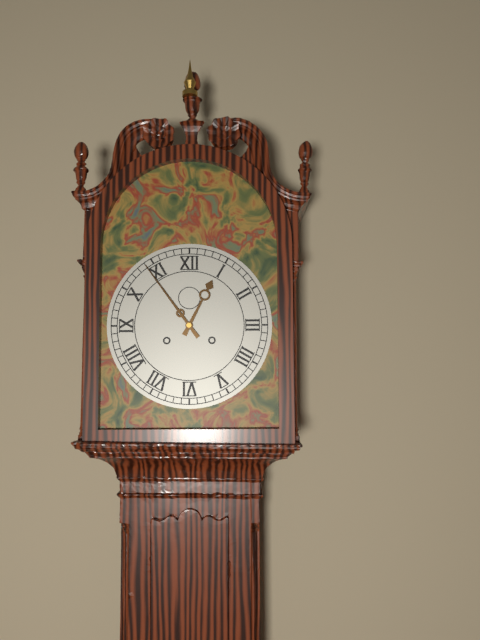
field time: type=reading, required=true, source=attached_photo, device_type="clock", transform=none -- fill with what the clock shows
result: 12:54
